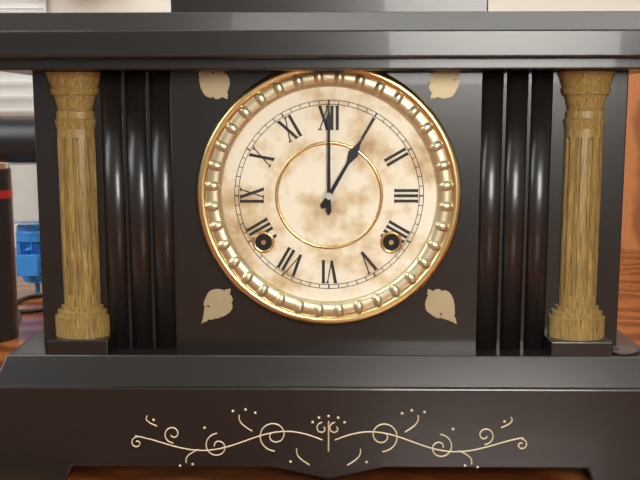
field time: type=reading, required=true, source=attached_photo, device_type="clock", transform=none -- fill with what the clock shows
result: 1:00
